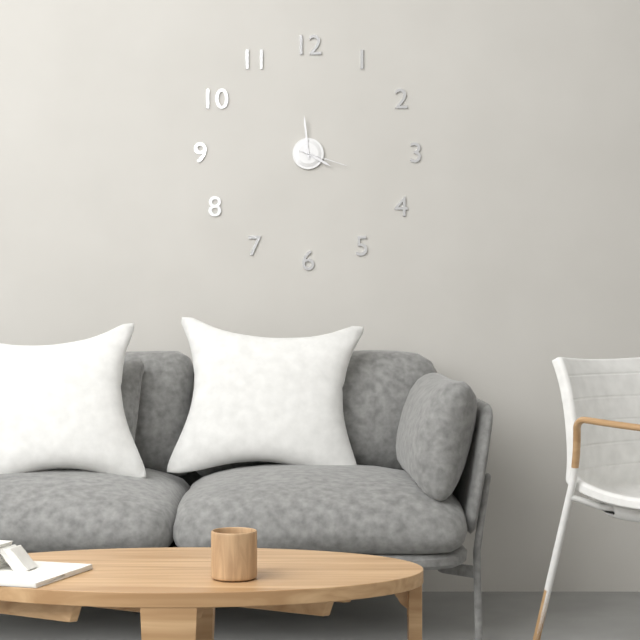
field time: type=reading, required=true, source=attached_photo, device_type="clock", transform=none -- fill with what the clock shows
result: 3:59:18
